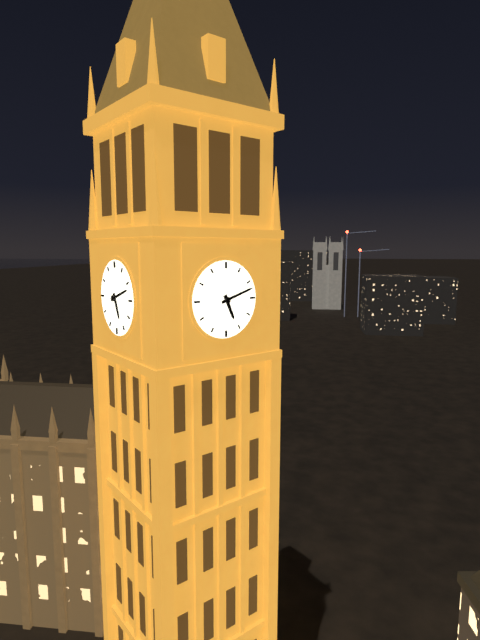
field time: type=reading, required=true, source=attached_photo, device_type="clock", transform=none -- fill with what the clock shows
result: 5:12
